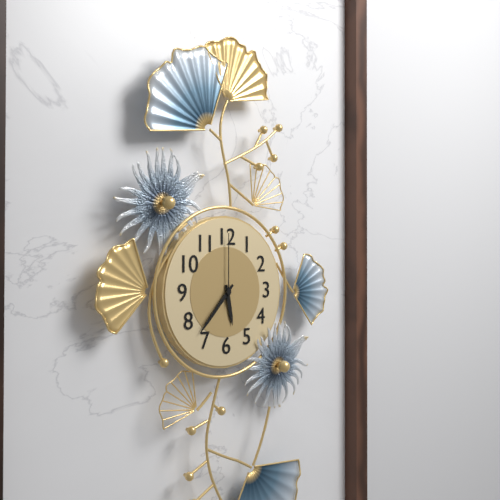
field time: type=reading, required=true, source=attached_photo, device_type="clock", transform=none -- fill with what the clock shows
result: 5:37:00
